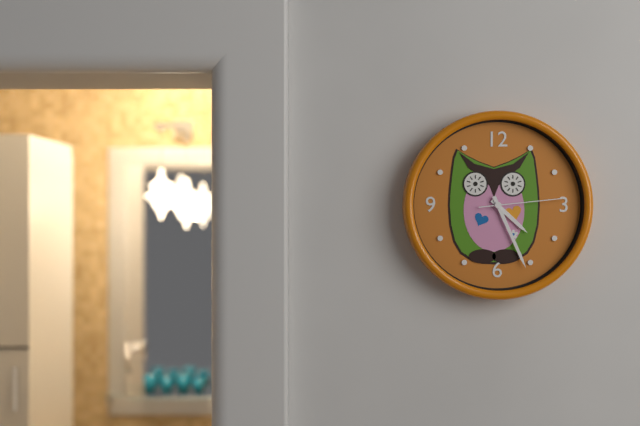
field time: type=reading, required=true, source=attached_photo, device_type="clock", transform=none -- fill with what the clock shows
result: 4:26:14
